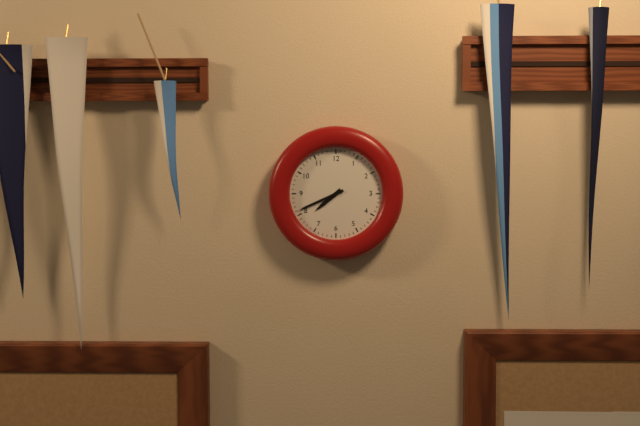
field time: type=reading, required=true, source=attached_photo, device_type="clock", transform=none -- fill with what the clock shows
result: 7:41
